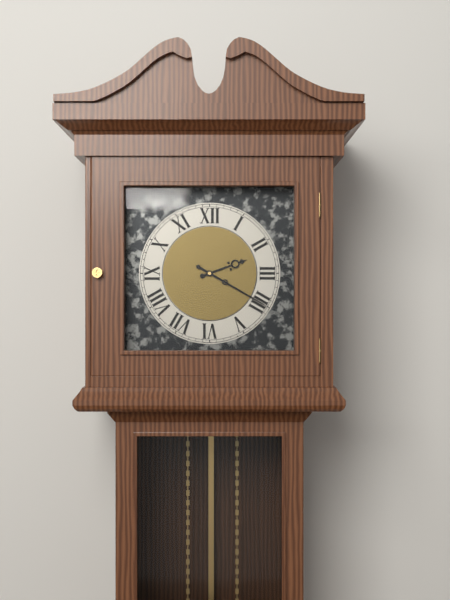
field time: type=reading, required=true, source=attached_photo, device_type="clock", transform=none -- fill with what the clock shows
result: 2:20
